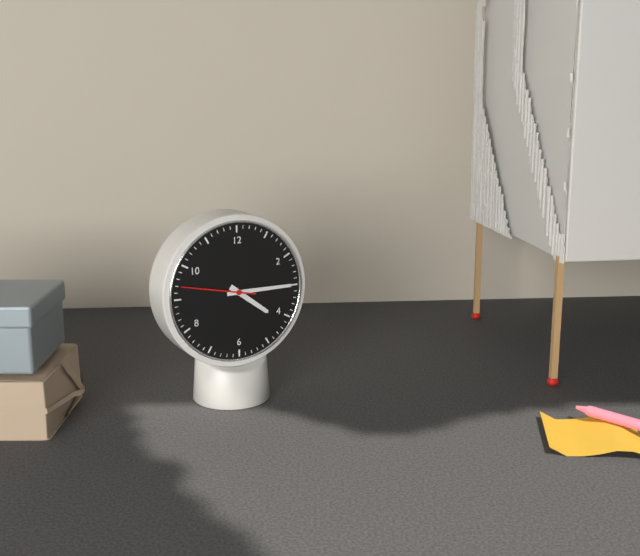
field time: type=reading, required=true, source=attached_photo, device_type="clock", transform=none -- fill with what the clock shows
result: 4:15:47
